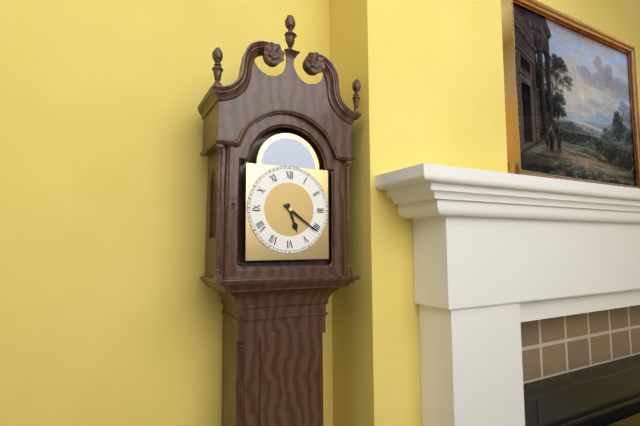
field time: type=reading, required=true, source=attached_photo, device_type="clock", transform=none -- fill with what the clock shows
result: 5:21
